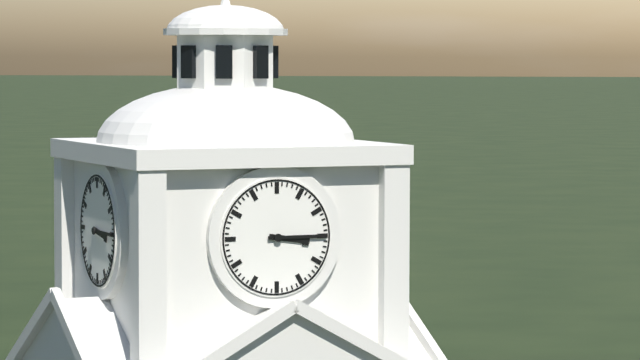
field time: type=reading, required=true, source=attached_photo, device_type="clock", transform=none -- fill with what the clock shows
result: 3:15
